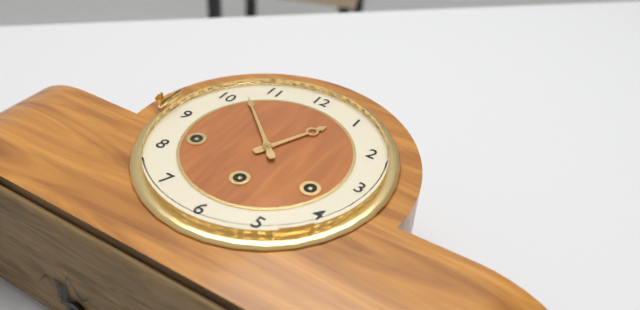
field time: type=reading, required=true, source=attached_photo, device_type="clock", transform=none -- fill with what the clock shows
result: 12:52
